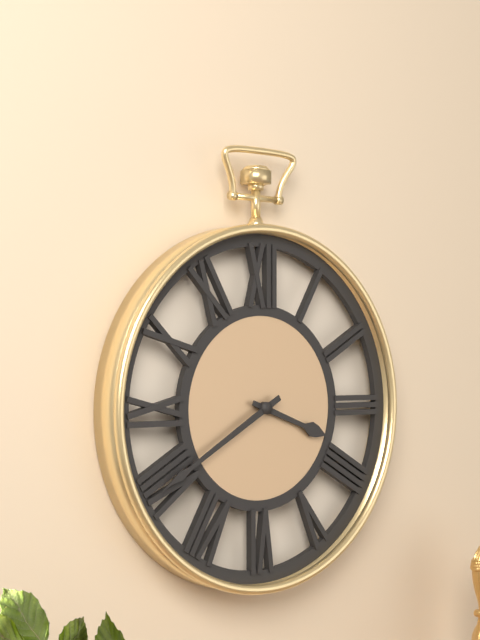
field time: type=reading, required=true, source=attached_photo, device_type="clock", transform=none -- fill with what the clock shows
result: 3:40
